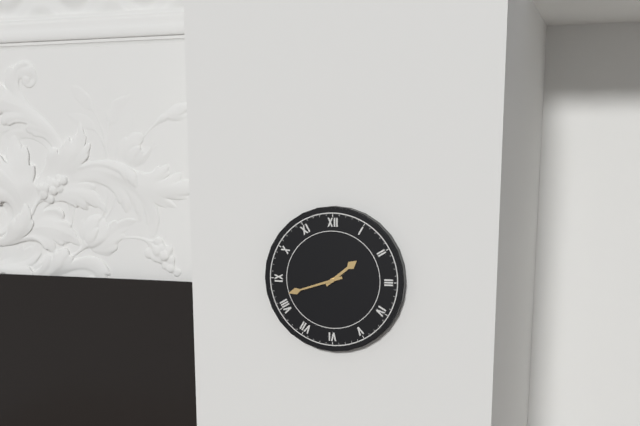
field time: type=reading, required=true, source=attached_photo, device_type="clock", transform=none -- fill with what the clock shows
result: 1:42
